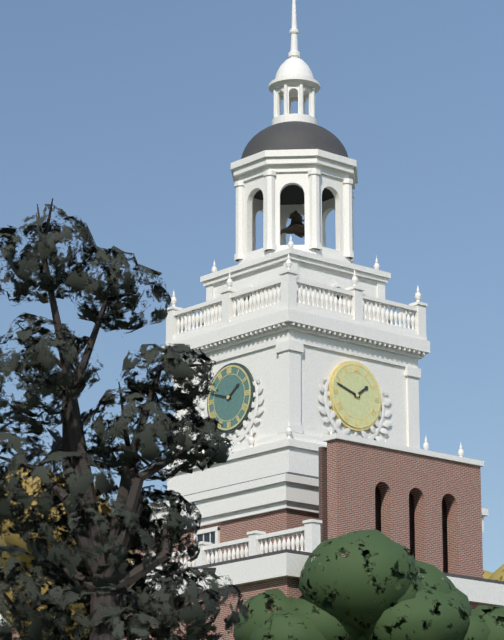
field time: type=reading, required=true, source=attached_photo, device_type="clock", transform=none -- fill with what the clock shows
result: 1:48
